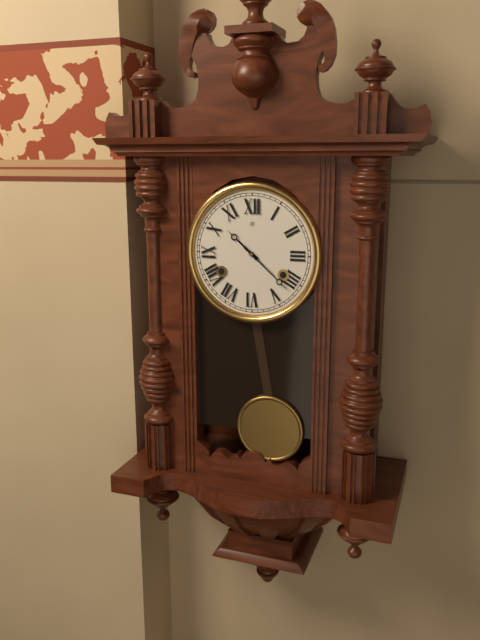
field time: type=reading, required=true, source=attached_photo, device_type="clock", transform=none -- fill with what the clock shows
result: 10:22
